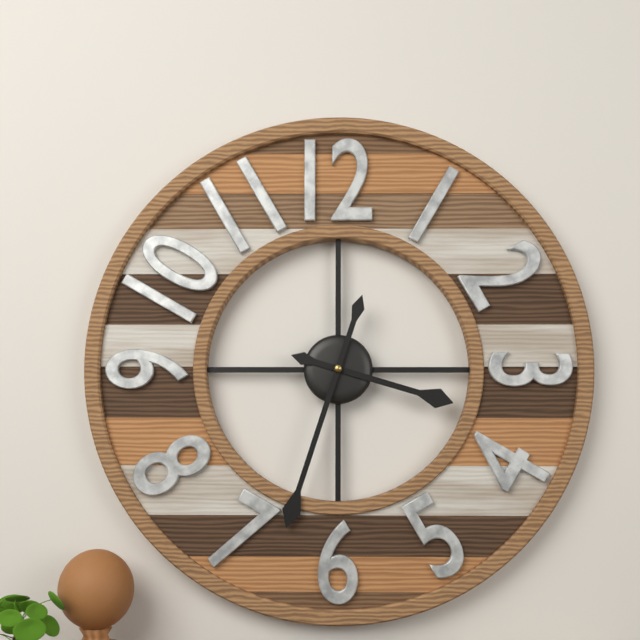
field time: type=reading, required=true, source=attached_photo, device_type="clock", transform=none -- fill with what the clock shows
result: 3:33
